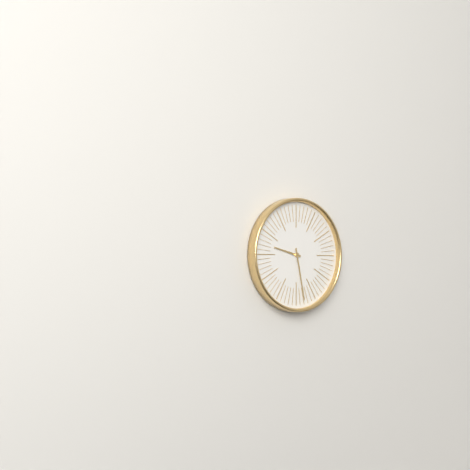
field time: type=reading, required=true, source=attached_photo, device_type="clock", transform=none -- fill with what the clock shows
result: 9:28
